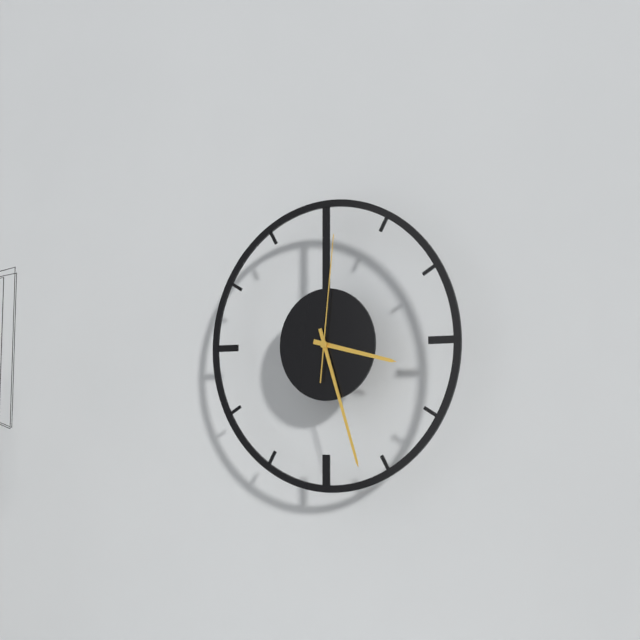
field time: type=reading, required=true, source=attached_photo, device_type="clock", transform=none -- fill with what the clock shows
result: 3:27:01
